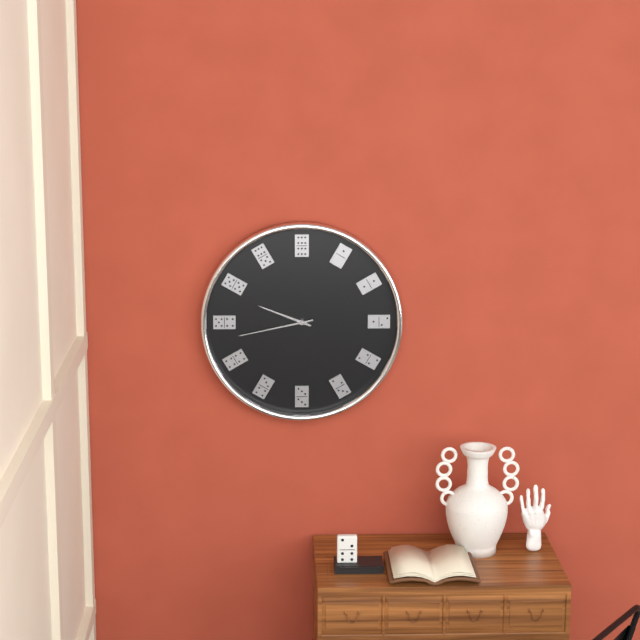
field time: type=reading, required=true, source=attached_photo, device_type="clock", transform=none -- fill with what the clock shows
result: 9:43
